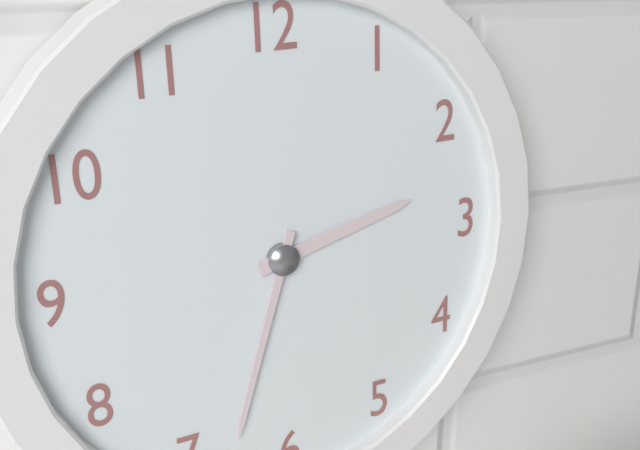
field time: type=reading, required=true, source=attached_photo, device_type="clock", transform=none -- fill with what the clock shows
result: 2:33
